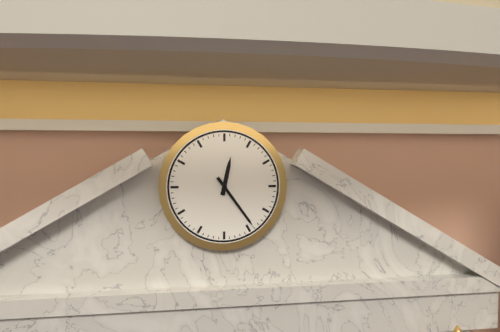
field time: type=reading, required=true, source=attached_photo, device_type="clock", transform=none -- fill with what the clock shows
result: 12:24
